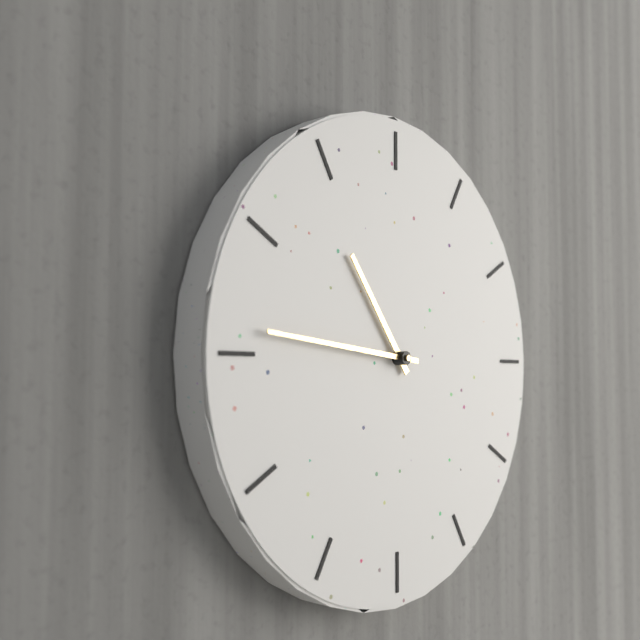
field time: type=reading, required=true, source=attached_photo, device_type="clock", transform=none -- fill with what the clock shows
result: 10:46
